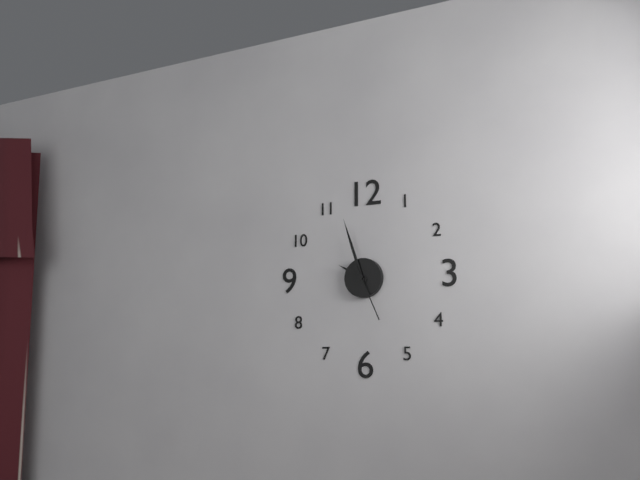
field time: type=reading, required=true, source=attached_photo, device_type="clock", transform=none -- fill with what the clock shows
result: 9:57:26
